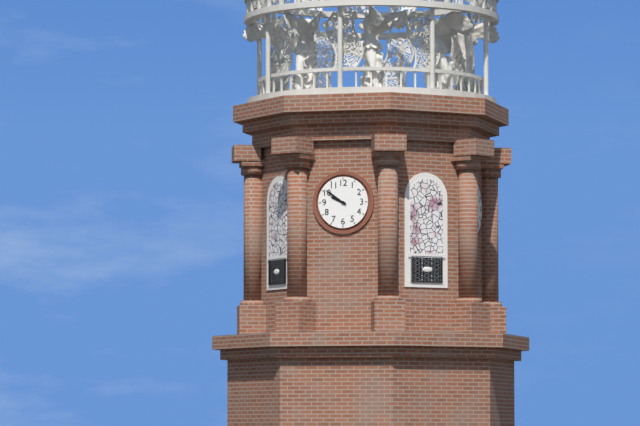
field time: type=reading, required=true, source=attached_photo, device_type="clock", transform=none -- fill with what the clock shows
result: 9:51
